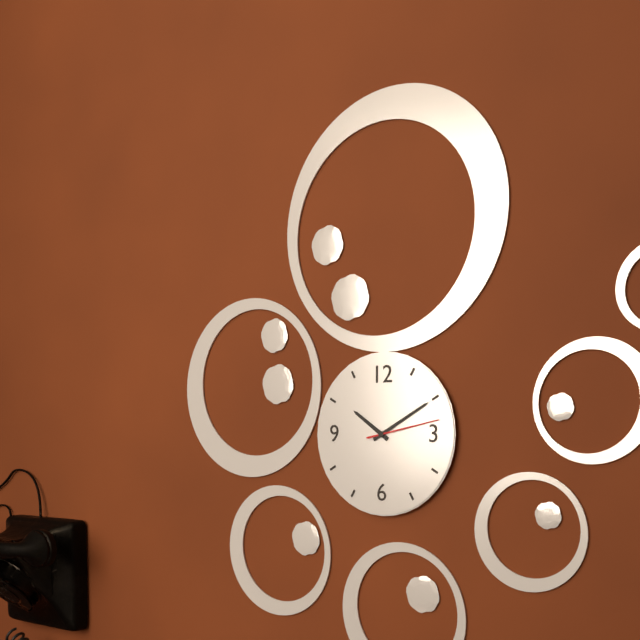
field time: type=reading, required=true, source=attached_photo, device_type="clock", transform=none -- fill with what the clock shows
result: 10:10:13
